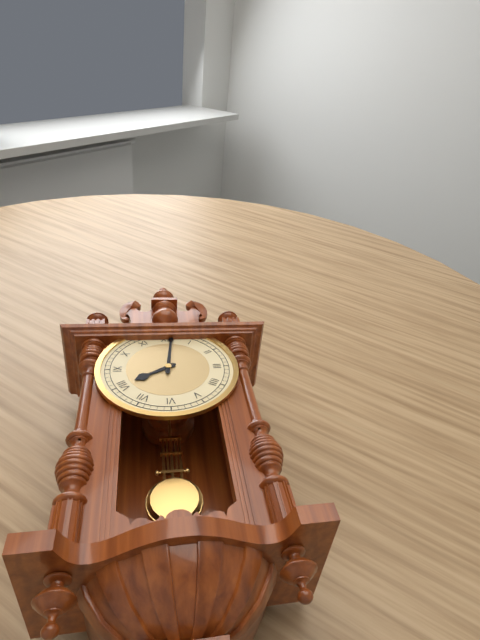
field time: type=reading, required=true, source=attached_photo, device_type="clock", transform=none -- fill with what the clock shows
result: 8:01
